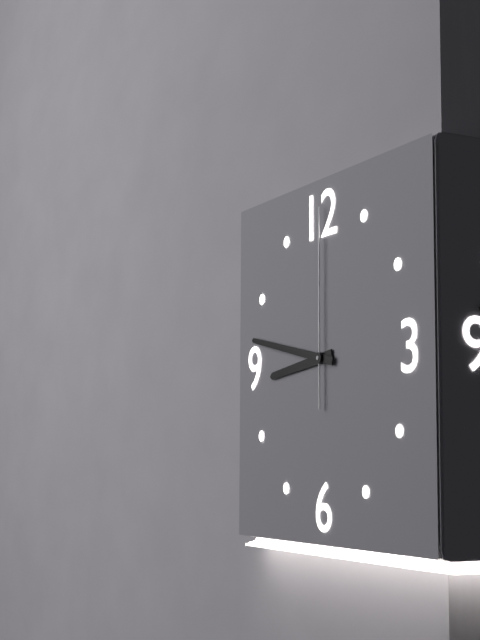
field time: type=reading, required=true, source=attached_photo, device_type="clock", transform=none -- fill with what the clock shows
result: 8:47:00
